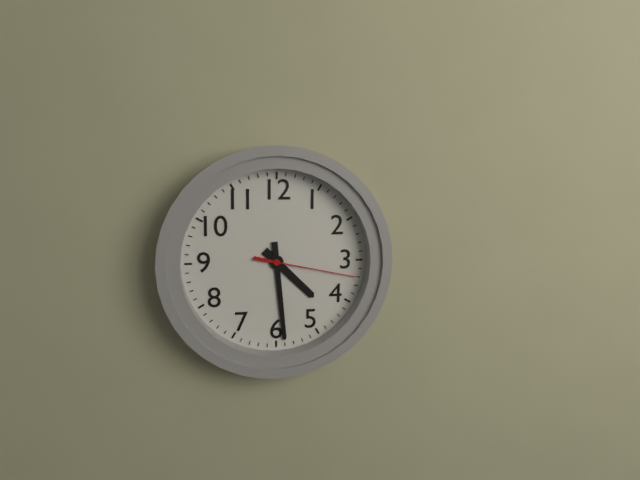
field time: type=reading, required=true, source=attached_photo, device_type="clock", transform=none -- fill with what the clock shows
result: 4:29:17
